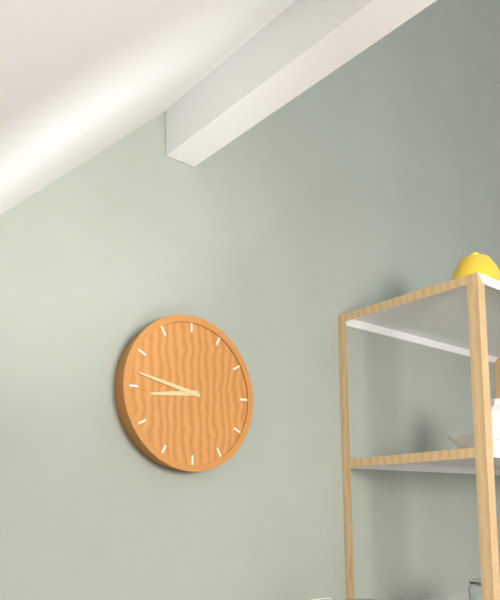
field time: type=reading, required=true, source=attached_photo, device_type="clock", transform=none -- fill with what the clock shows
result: 8:47
